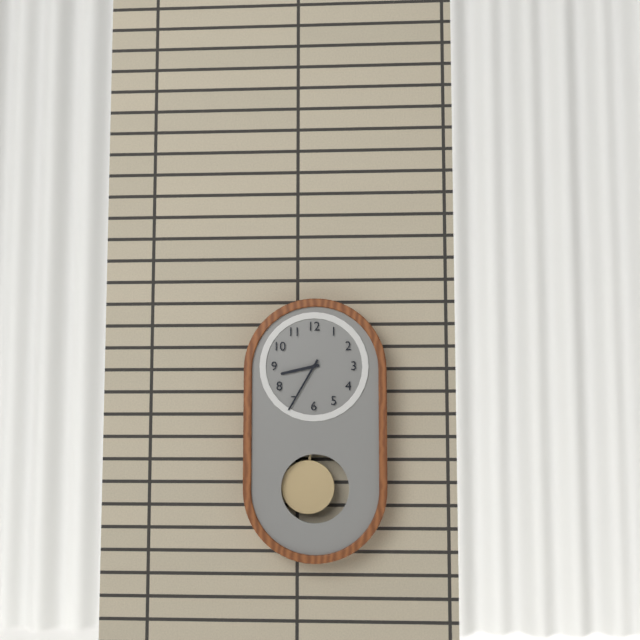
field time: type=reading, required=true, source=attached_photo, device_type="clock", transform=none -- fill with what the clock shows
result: 8:35
